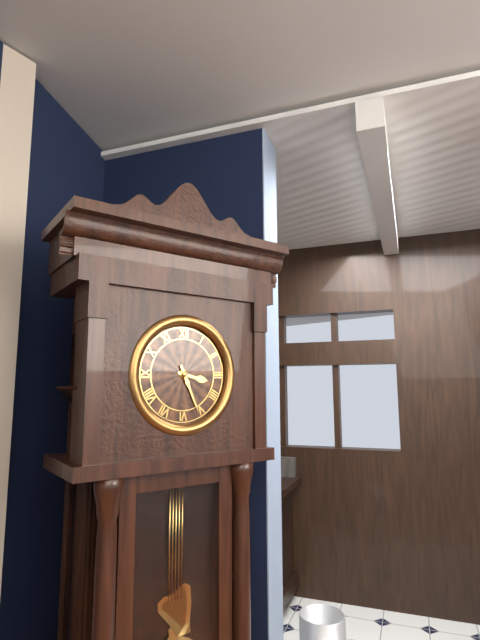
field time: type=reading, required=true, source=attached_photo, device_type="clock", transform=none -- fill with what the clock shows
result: 3:26
